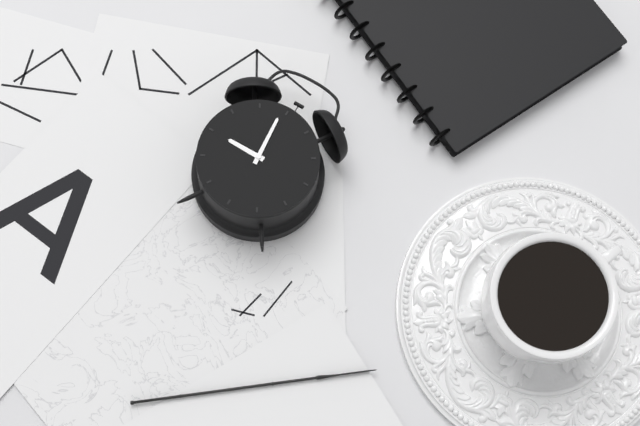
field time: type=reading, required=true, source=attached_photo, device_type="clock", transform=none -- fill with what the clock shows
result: 8:59
